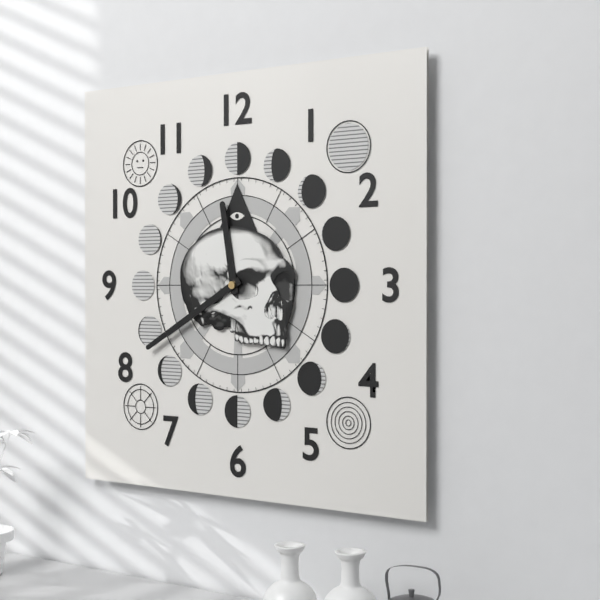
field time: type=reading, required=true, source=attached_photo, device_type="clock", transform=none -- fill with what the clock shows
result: 11:40
